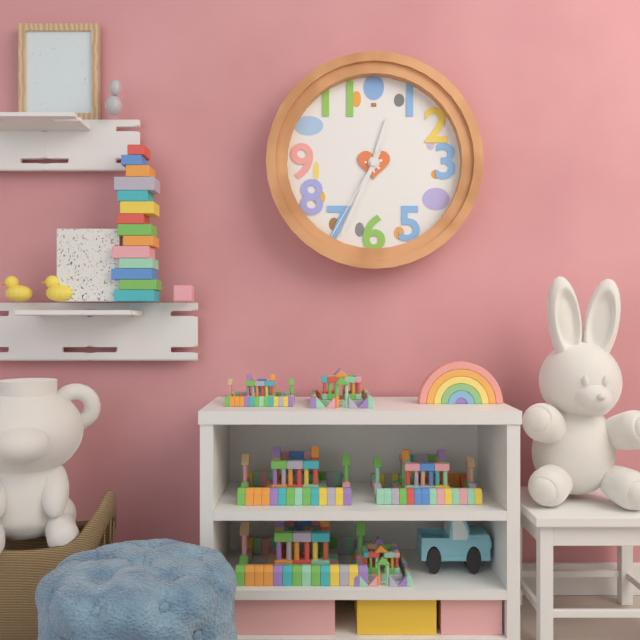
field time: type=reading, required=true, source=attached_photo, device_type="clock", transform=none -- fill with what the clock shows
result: 12:34:35
